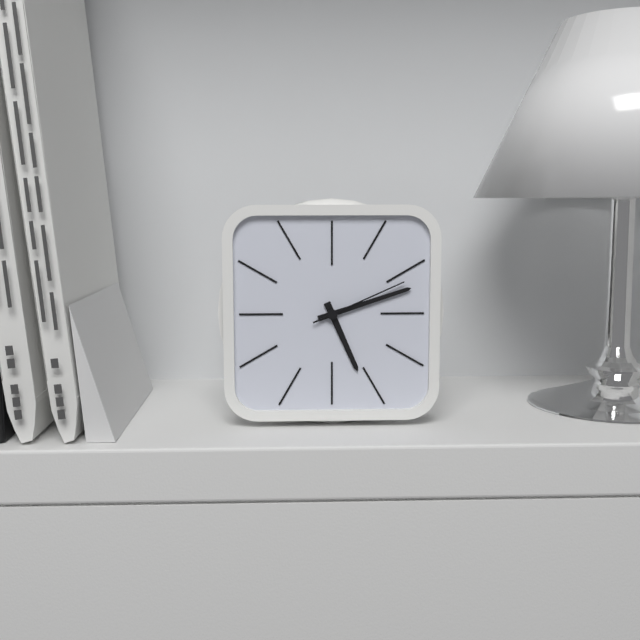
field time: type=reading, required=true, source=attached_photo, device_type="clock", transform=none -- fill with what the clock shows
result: 5:12:11
